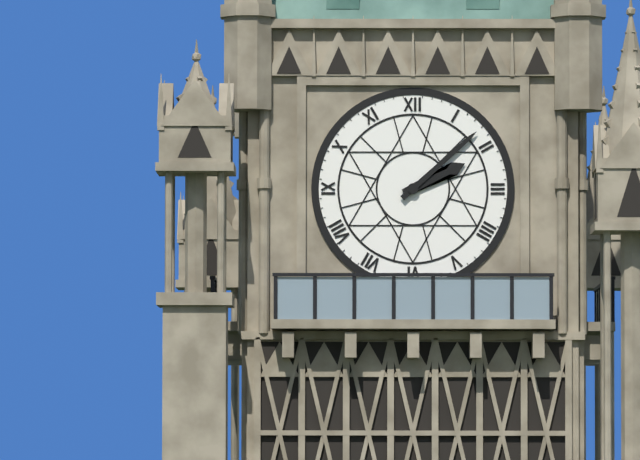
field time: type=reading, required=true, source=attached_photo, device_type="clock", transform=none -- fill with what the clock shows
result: 2:08
